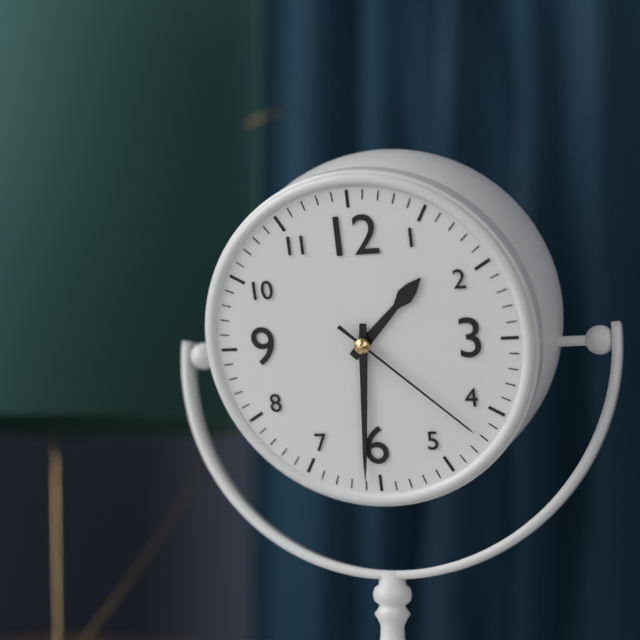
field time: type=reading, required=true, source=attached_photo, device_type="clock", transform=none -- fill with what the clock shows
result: 1:31:22
